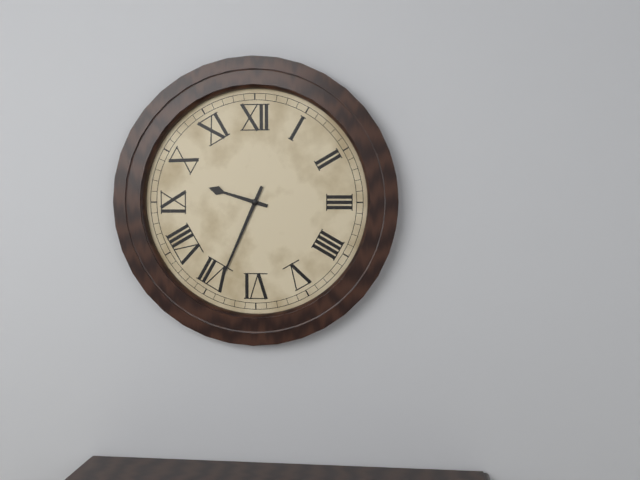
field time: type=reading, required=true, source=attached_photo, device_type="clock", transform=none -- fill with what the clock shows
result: 9:34
